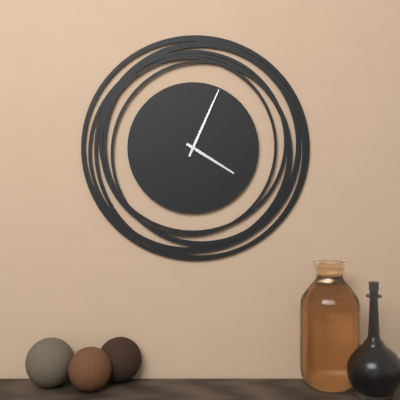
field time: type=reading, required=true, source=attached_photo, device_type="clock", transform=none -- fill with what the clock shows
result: 4:04
